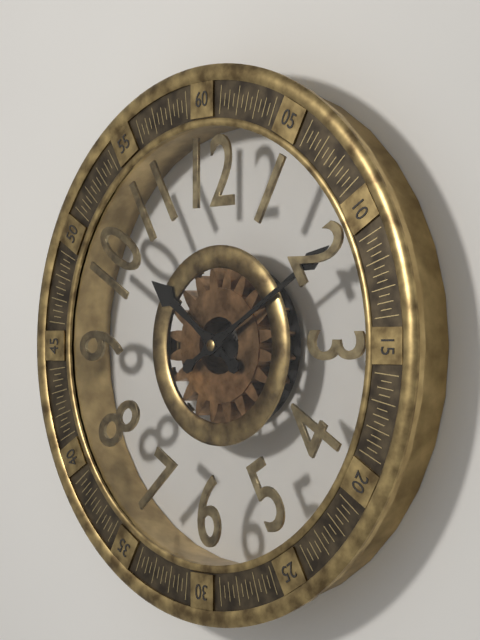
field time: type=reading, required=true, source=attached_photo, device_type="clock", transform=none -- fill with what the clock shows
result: 10:10
